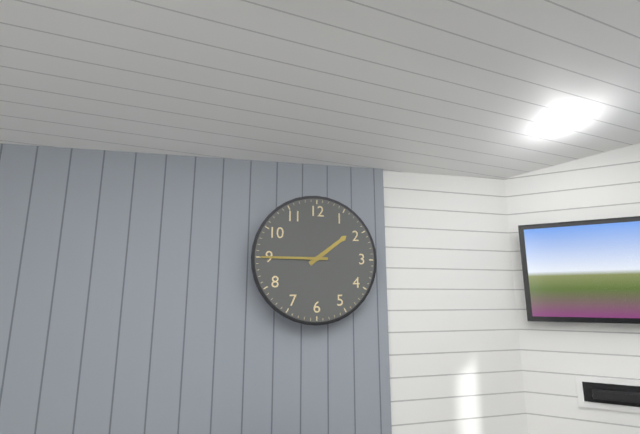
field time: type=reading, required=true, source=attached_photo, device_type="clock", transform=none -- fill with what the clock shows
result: 1:45
